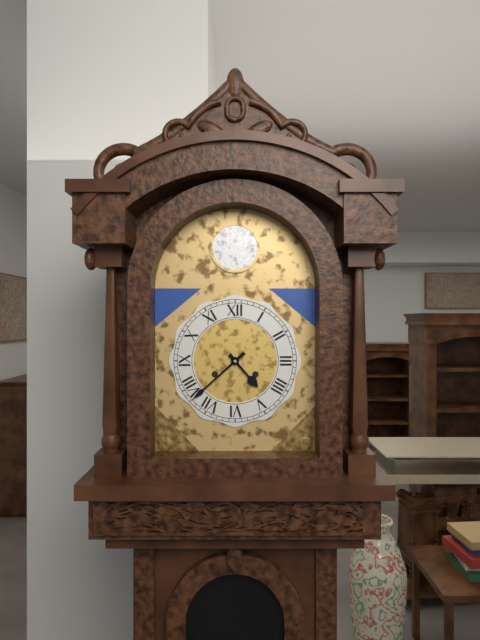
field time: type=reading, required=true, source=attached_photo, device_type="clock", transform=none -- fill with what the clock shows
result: 4:38
